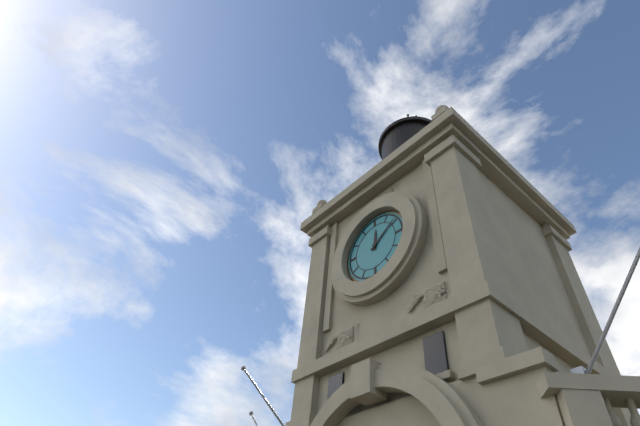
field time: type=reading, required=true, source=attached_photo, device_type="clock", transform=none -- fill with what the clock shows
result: 12:09
